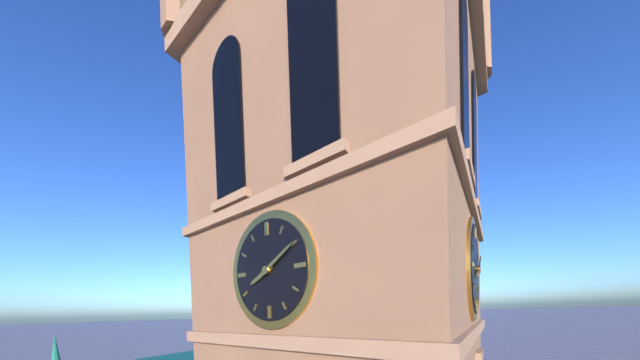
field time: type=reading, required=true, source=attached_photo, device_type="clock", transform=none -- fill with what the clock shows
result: 8:10
